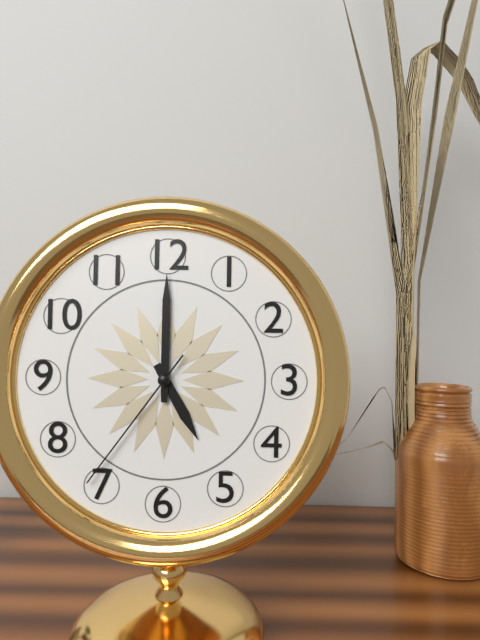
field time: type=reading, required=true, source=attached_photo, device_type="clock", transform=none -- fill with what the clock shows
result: 5:00:36
